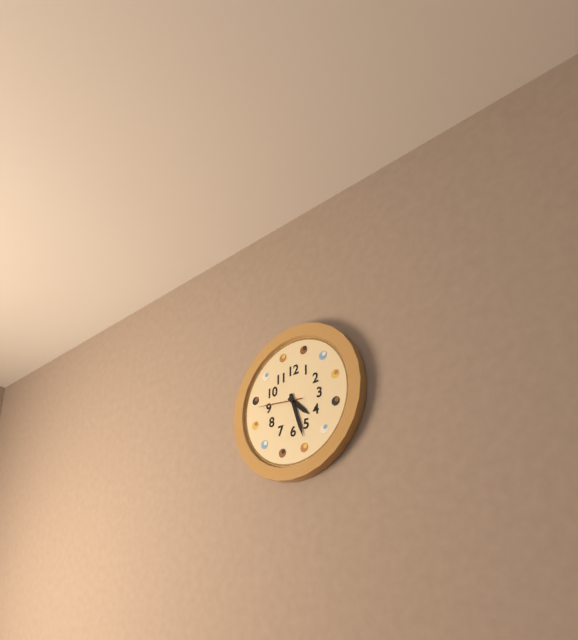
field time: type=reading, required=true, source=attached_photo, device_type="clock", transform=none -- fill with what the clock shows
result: 4:27
